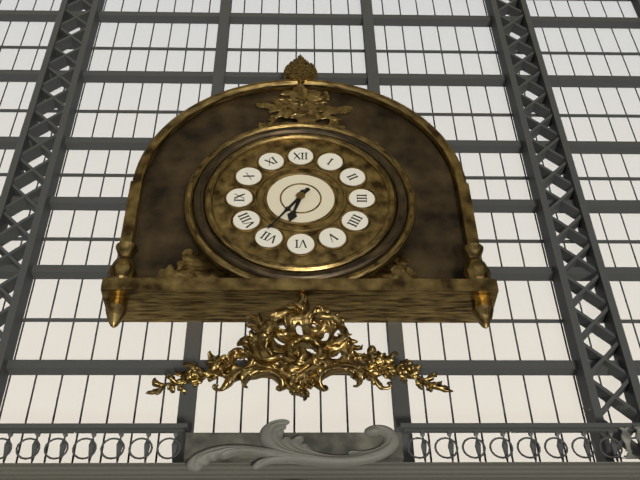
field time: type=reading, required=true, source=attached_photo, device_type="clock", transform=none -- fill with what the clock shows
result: 6:36
